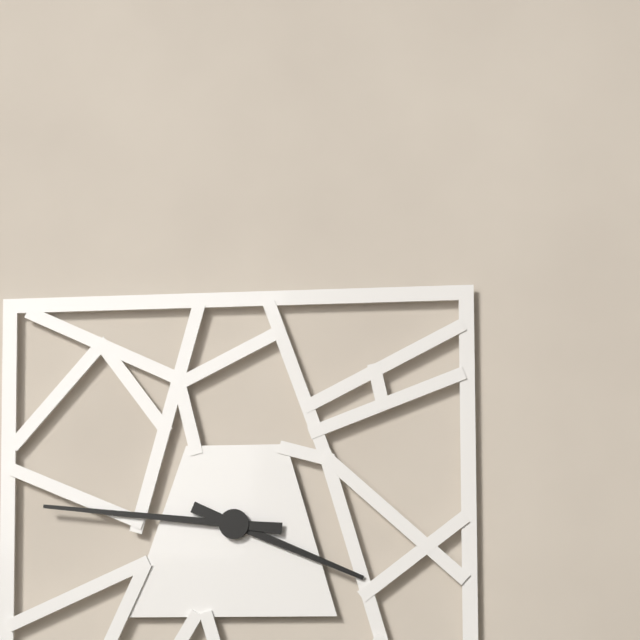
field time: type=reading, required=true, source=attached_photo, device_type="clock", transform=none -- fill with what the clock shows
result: 3:46
